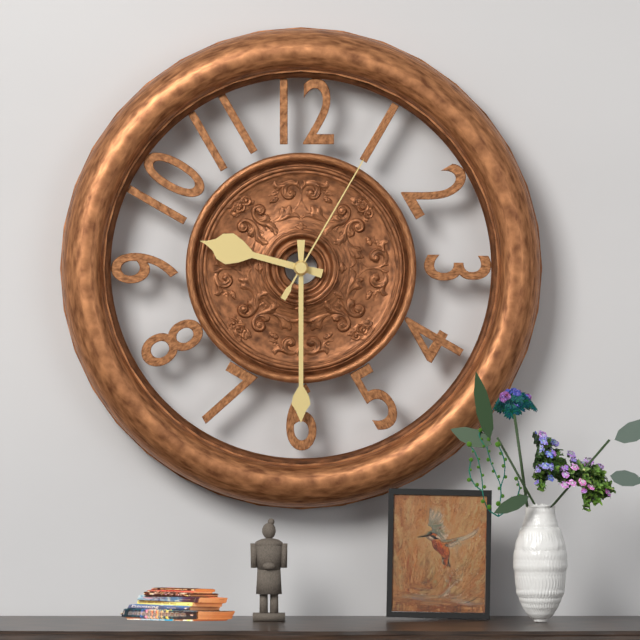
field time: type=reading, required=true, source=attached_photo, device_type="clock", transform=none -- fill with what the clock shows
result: 9:30:05
